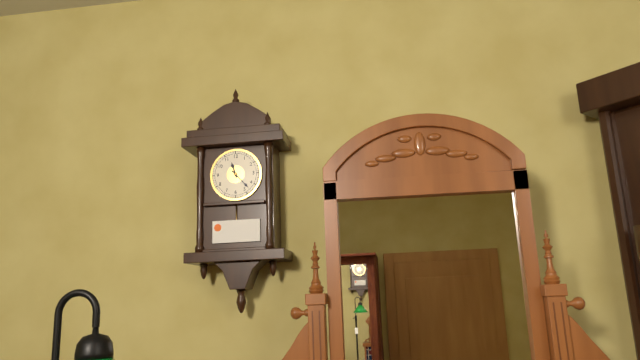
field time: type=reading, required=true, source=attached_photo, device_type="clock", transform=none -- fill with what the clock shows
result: 11:23
